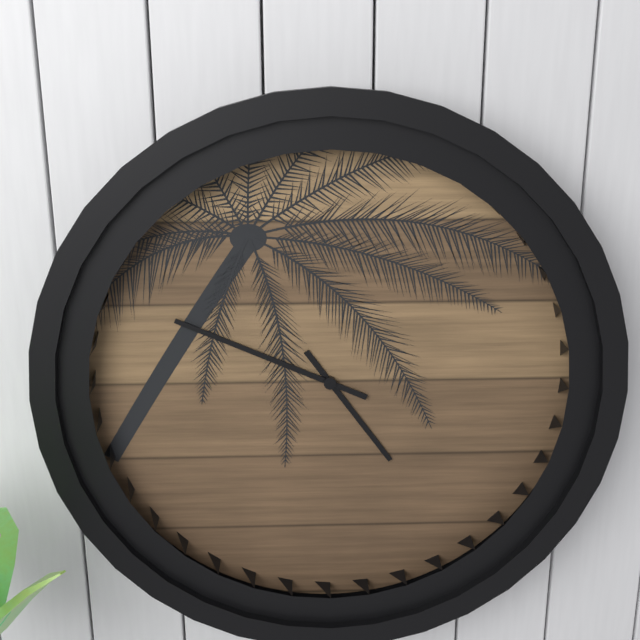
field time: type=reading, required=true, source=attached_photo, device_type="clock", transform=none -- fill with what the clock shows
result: 4:49
